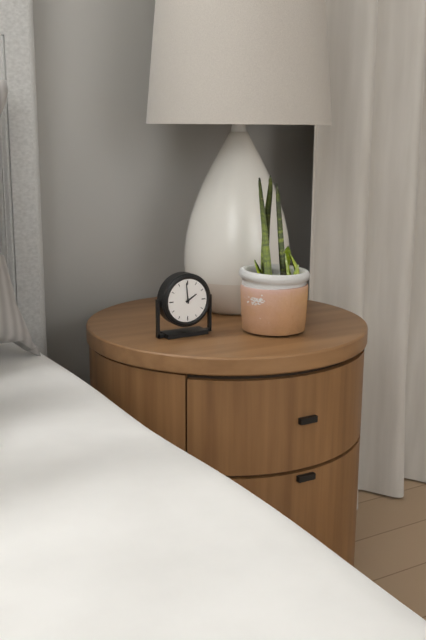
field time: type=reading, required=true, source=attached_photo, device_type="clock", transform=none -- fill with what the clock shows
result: 1:59
